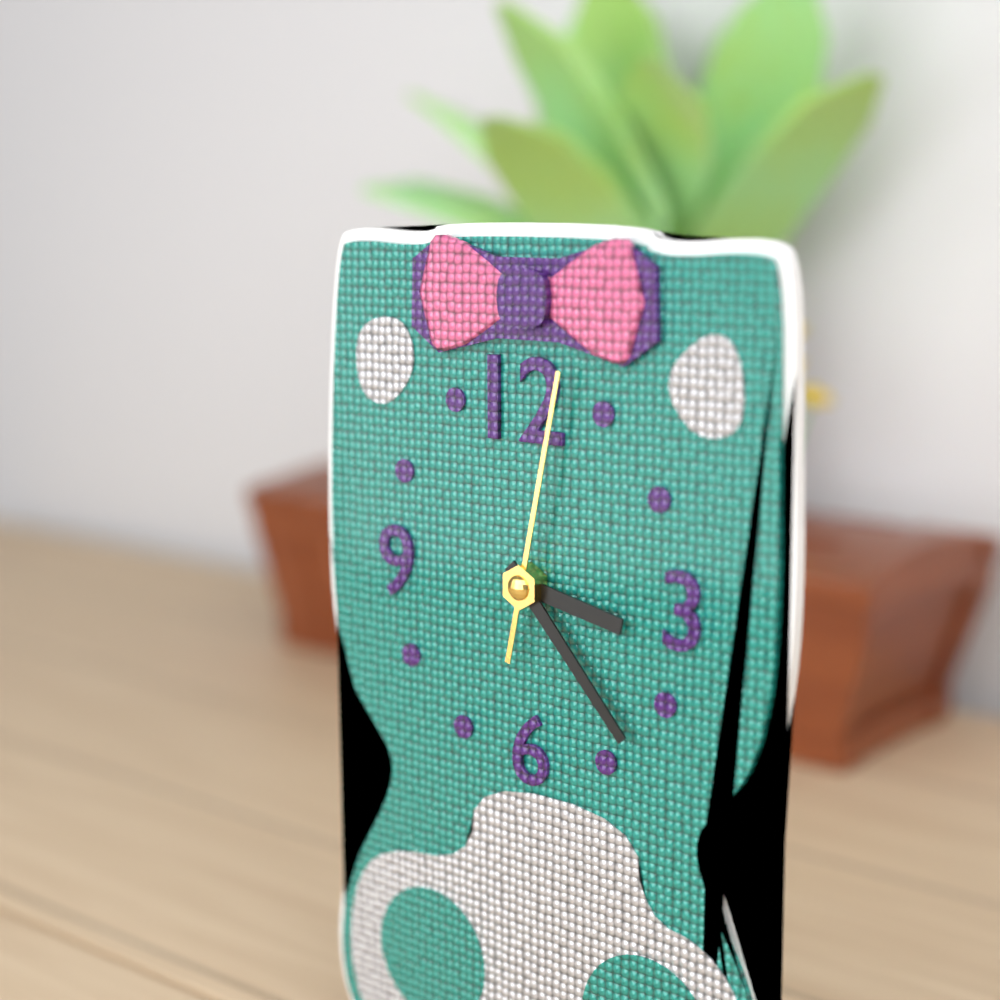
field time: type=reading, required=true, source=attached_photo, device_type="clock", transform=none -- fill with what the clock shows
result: 3:23:02
